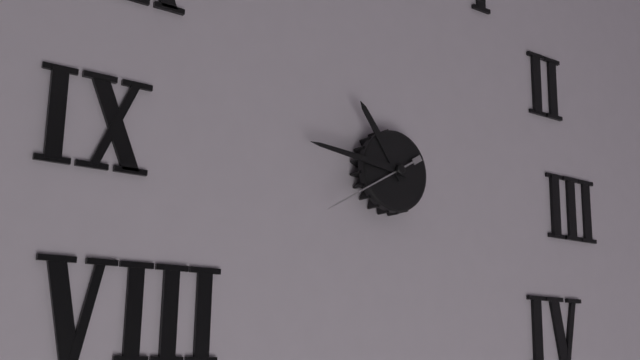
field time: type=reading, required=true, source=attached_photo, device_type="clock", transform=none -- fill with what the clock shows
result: 10:46:40
